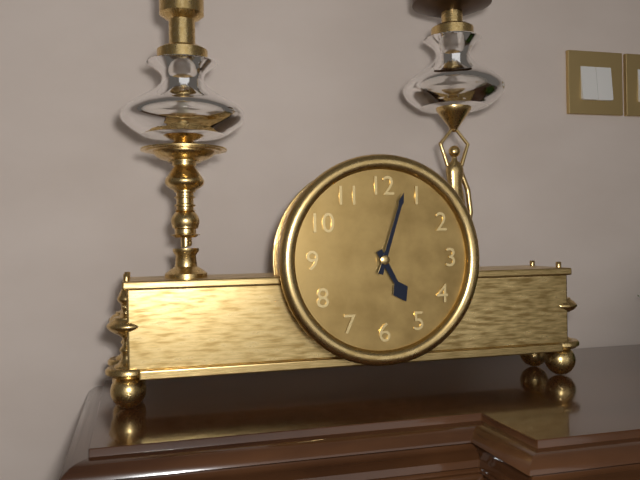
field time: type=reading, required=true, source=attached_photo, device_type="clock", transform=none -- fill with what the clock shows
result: 5:03
